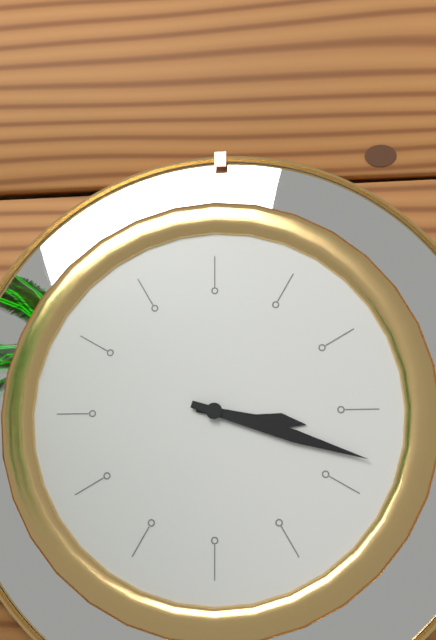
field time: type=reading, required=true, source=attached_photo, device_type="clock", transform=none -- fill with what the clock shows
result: 3:18
